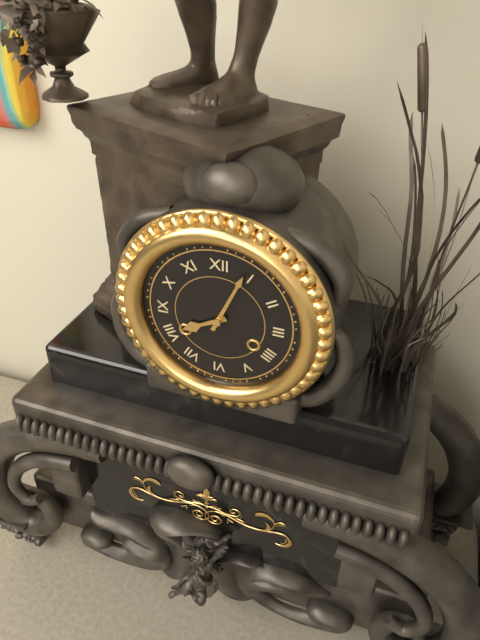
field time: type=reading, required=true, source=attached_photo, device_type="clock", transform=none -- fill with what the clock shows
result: 8:04
